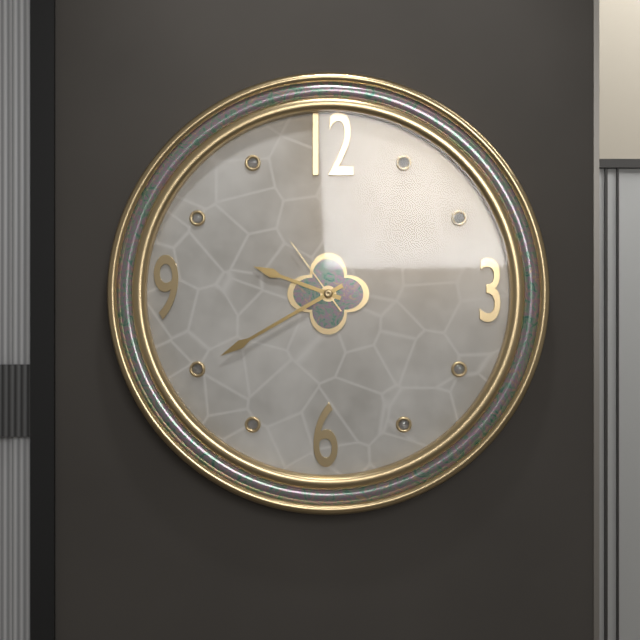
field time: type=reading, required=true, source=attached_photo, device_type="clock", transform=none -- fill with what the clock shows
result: 9:40:54
